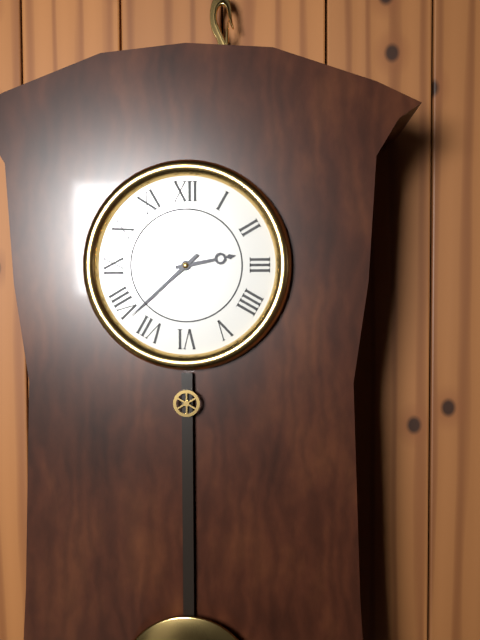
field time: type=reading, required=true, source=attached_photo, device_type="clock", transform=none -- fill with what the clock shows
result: 2:38
